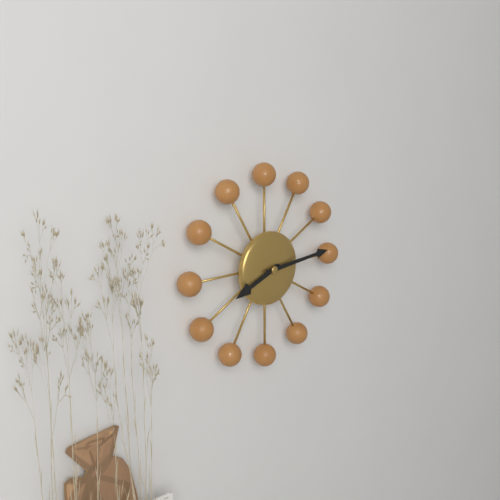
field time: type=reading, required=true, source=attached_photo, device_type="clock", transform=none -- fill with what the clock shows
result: 8:14
